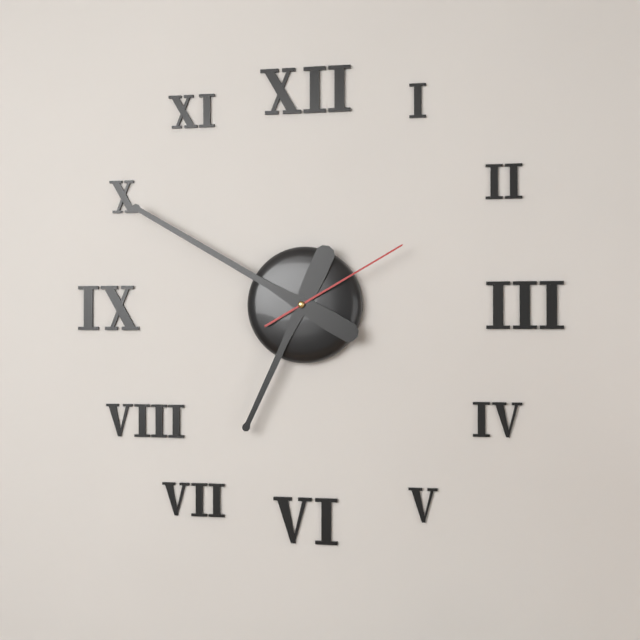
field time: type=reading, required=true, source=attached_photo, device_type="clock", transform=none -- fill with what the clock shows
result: 6:50:10
